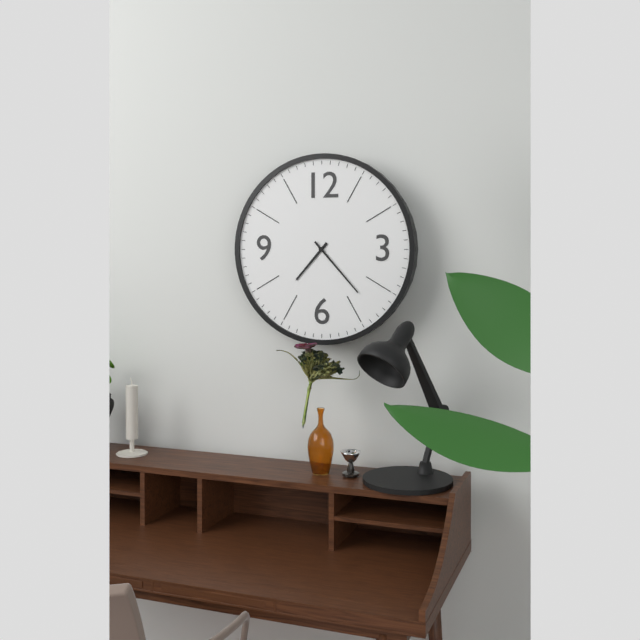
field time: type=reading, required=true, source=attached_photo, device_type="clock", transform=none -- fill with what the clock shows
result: 7:23
